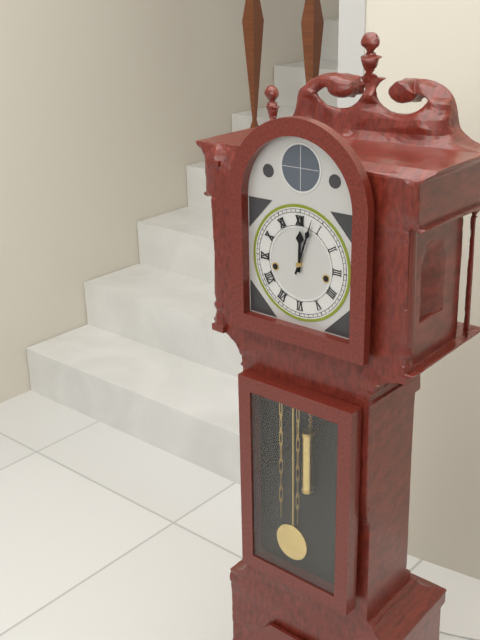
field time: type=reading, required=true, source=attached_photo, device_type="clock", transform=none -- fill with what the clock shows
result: 12:03
